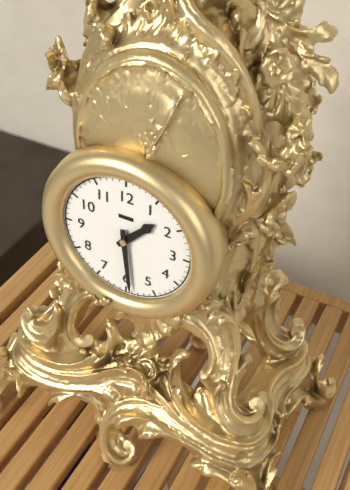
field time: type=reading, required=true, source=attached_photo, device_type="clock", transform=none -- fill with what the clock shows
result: 1:29
